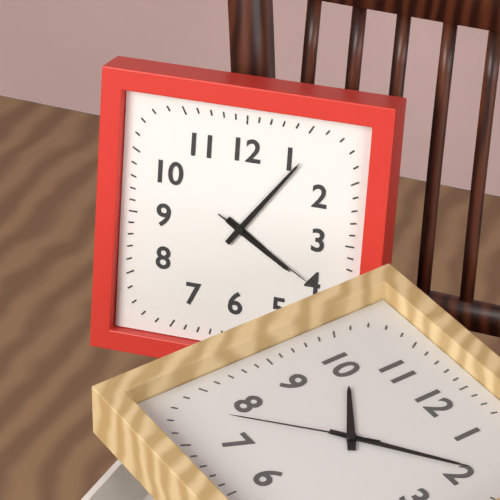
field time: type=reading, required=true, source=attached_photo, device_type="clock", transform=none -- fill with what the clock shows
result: 4:06:20
